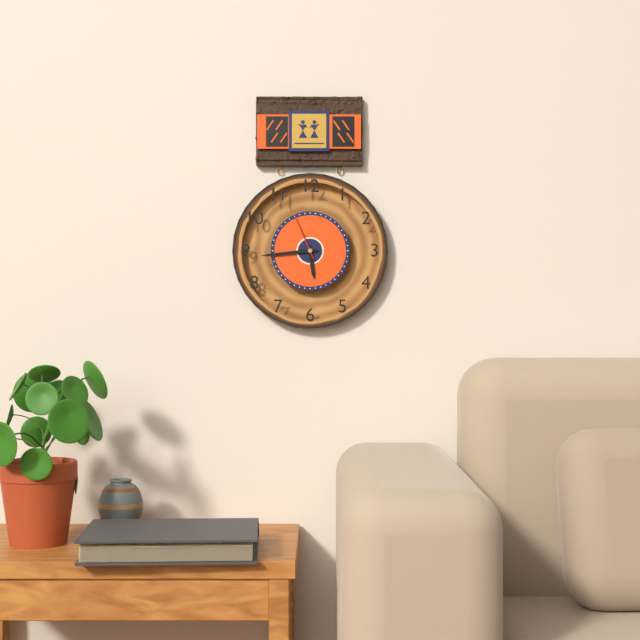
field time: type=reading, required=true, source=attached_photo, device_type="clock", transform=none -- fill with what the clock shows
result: 5:44
